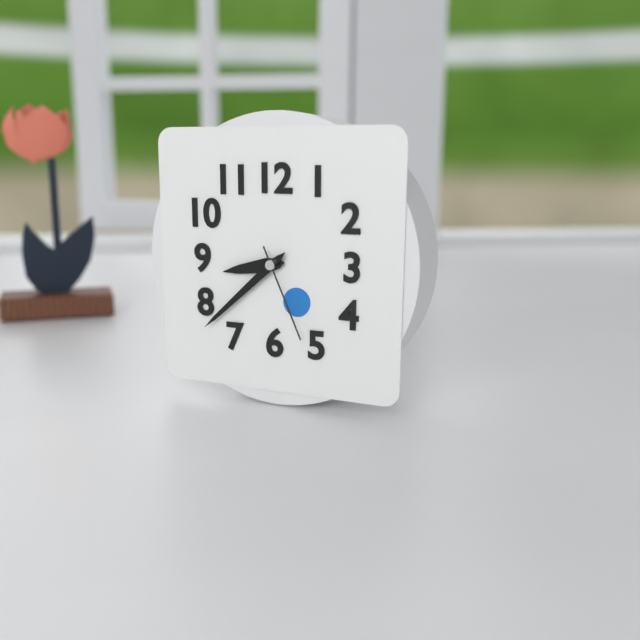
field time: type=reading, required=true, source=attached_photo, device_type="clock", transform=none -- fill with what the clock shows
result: 8:38:26
